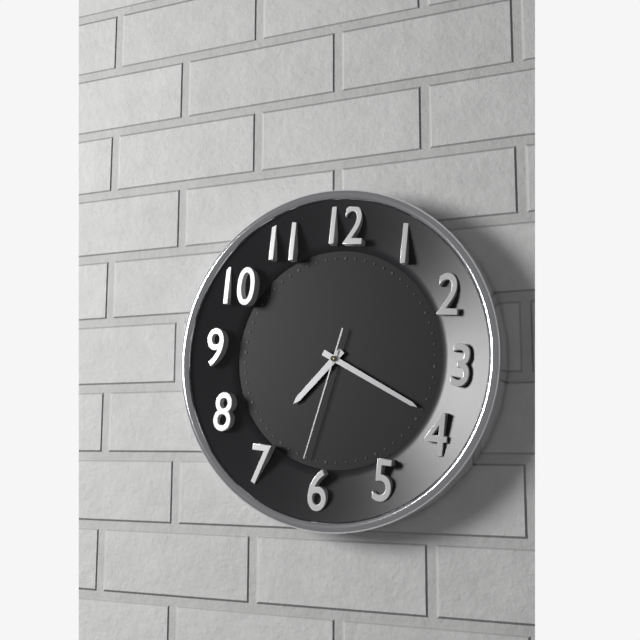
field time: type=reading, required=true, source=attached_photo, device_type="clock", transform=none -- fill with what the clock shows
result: 7:19:32
